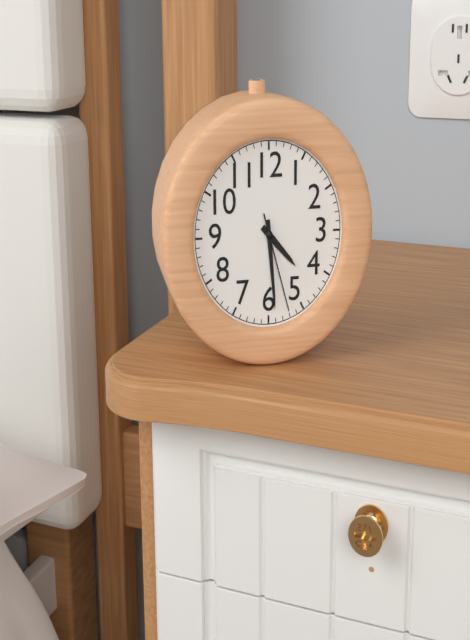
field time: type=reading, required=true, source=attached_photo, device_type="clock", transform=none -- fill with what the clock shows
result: 4:29:27
